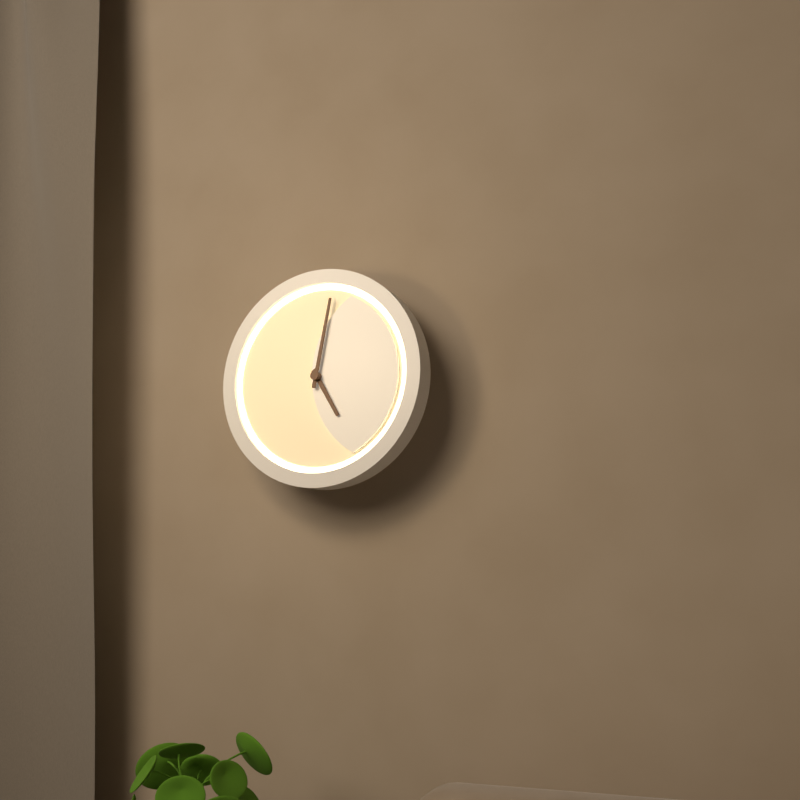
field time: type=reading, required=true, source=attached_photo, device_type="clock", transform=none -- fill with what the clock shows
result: 5:02
